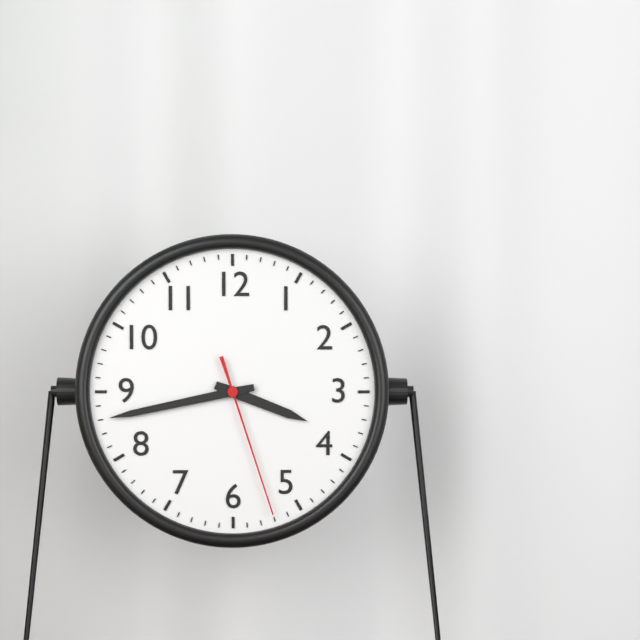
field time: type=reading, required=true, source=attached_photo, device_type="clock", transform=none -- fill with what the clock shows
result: 3:43:27
